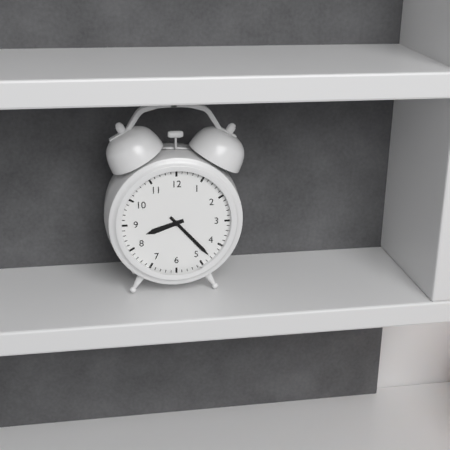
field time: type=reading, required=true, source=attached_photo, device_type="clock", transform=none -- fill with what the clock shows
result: 8:23
